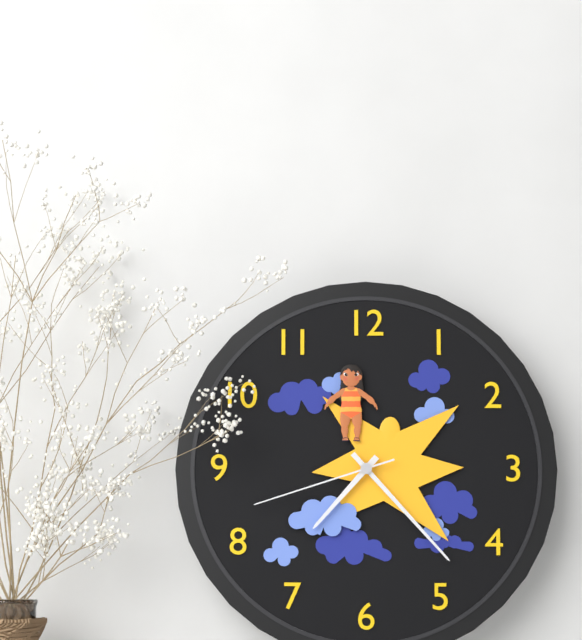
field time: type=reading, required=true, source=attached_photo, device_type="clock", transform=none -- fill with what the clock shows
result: 7:23:42
